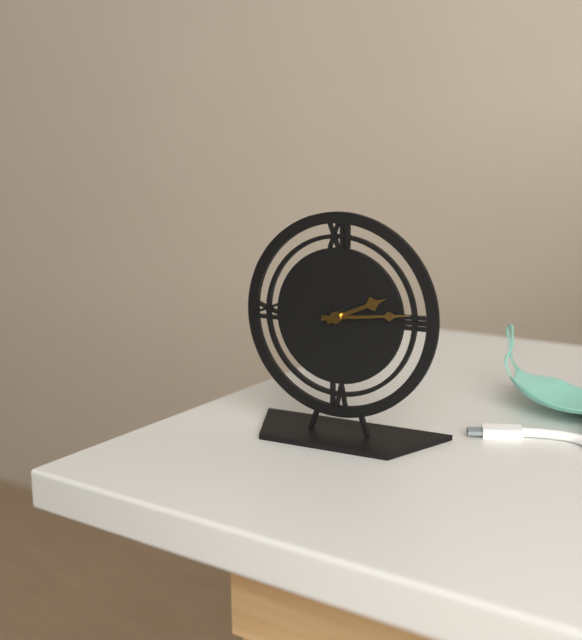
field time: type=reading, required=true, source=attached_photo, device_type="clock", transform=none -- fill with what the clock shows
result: 2:14
